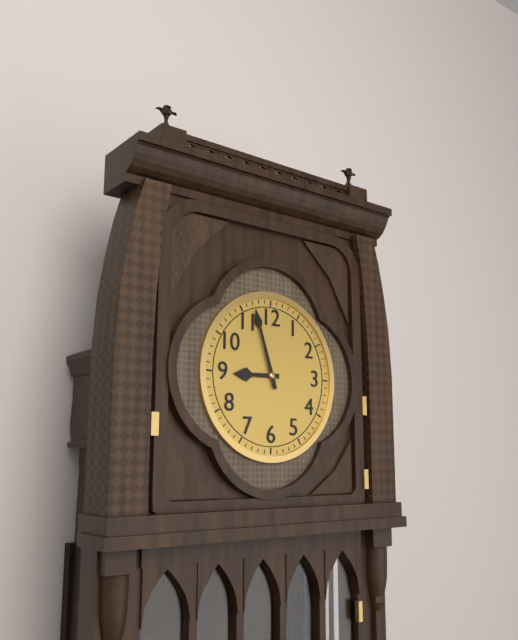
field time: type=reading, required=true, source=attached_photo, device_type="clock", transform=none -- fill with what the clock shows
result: 8:57
